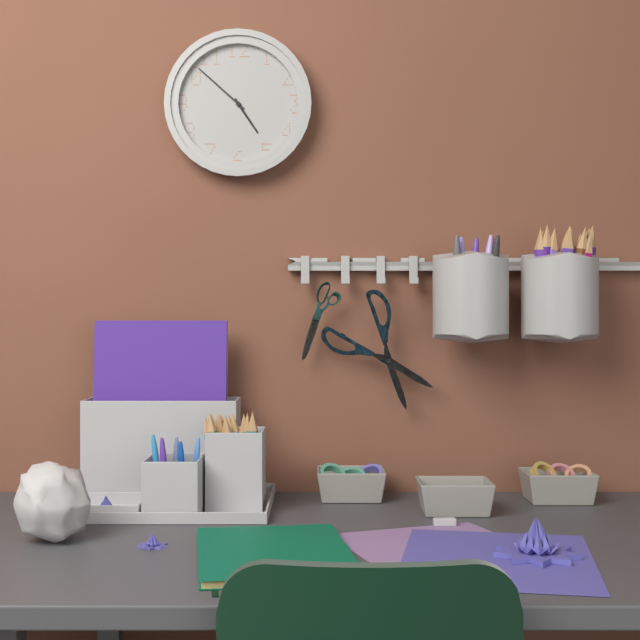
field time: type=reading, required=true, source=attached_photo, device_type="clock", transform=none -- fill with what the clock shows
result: 4:52
